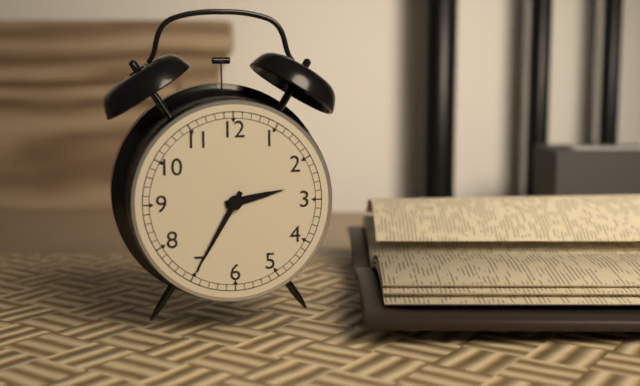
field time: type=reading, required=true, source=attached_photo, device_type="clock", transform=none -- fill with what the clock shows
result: 2:35
